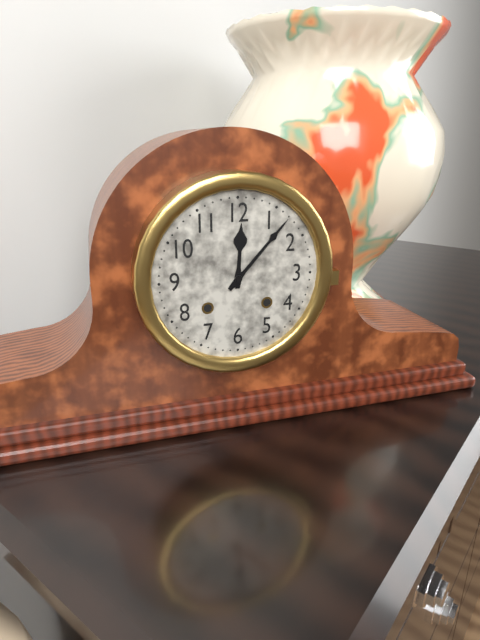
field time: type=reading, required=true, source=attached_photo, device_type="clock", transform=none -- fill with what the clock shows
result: 12:07
